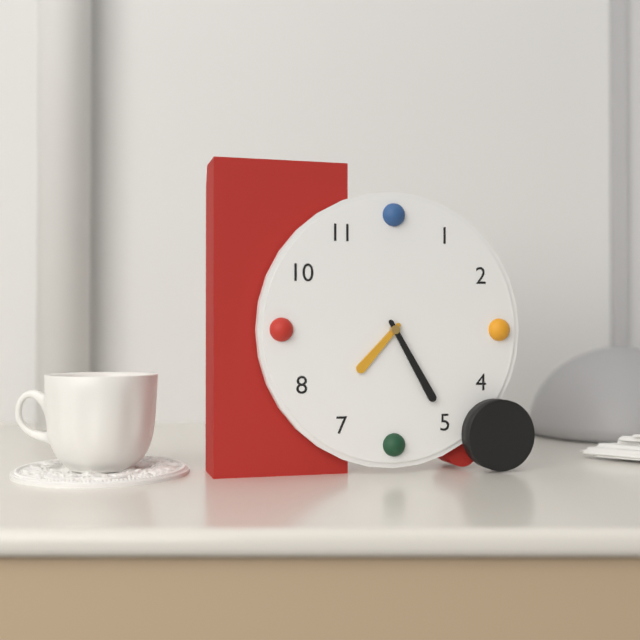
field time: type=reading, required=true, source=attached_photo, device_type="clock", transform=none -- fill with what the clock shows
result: 7:25
